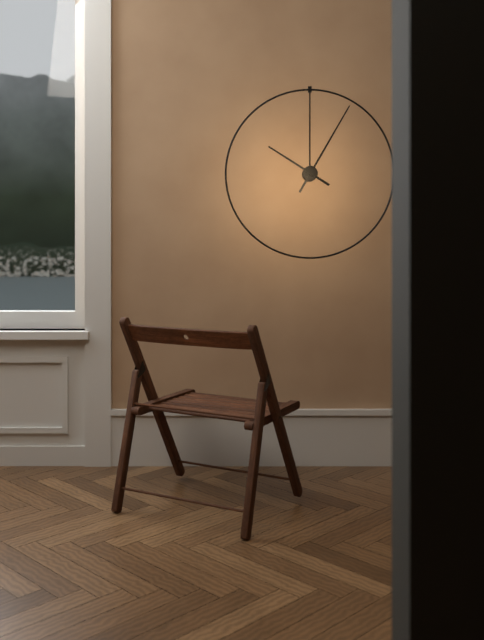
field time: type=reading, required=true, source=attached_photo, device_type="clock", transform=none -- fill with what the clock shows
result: 10:05
